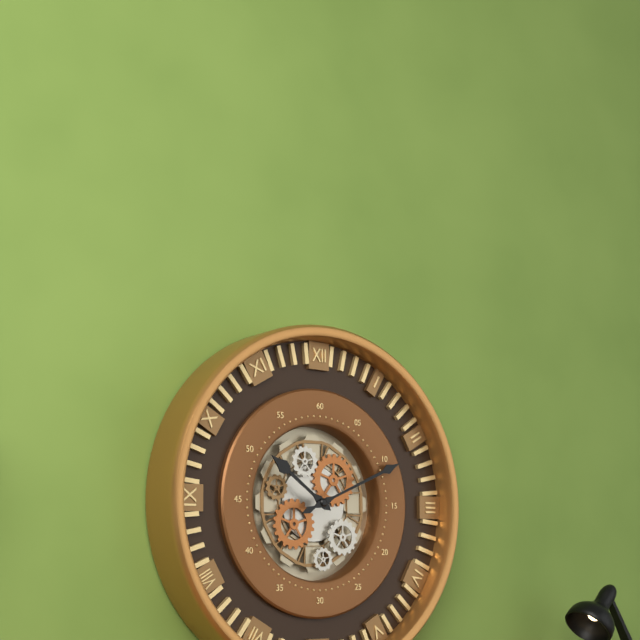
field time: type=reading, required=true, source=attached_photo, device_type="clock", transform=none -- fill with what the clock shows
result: 10:11
